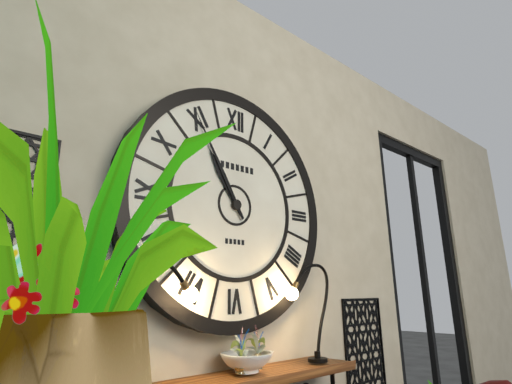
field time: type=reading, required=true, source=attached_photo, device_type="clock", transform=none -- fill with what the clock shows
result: 10:55
